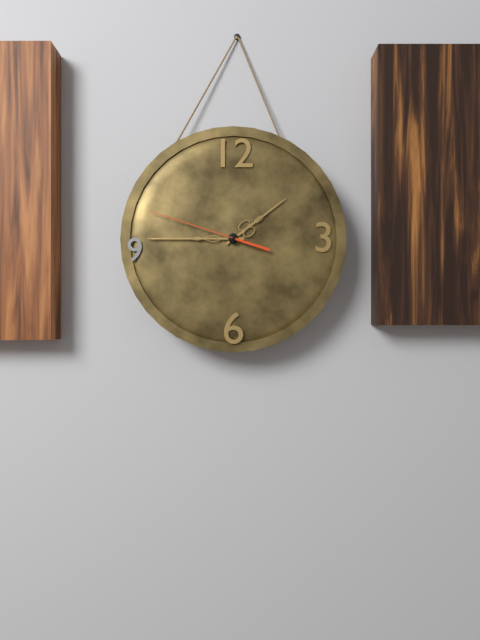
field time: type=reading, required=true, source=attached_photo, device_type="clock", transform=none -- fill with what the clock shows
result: 1:45:48
